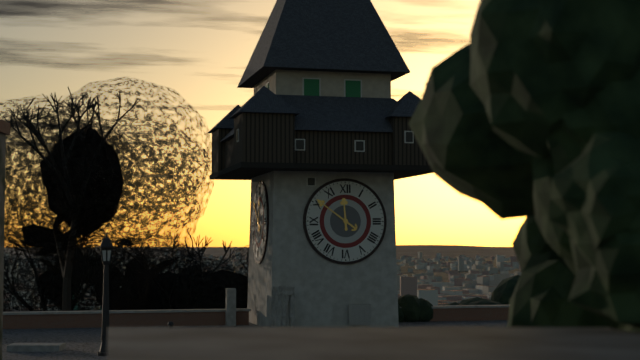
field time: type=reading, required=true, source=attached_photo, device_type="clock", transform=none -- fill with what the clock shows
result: 11:51
